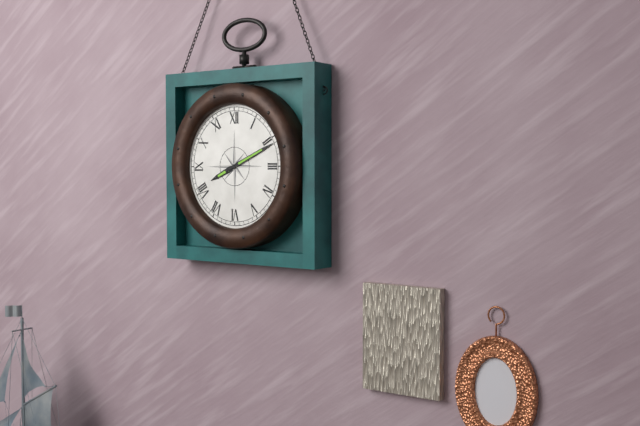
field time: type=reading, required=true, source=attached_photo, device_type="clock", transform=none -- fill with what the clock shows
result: 8:11
